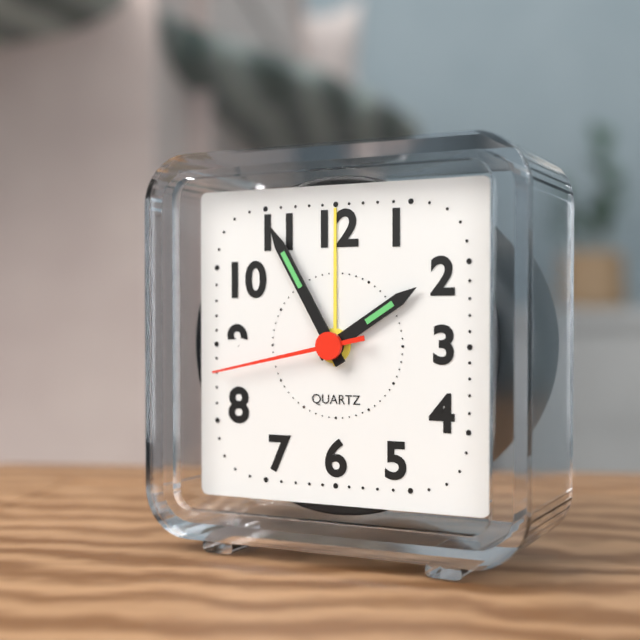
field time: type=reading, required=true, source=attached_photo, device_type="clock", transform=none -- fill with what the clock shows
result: 1:55:43
